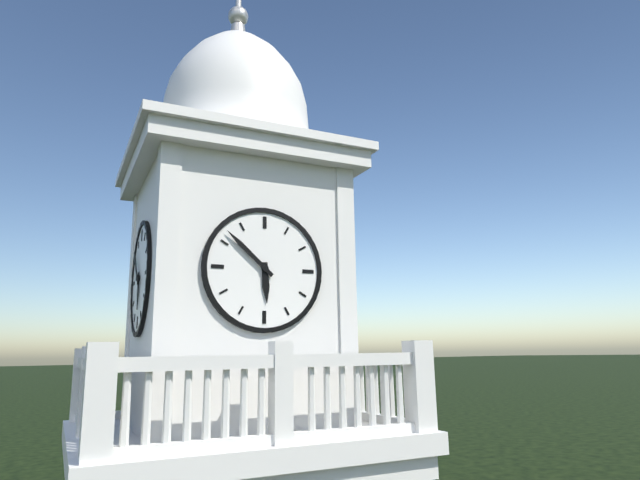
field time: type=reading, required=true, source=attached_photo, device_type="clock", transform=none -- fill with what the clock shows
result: 5:52
